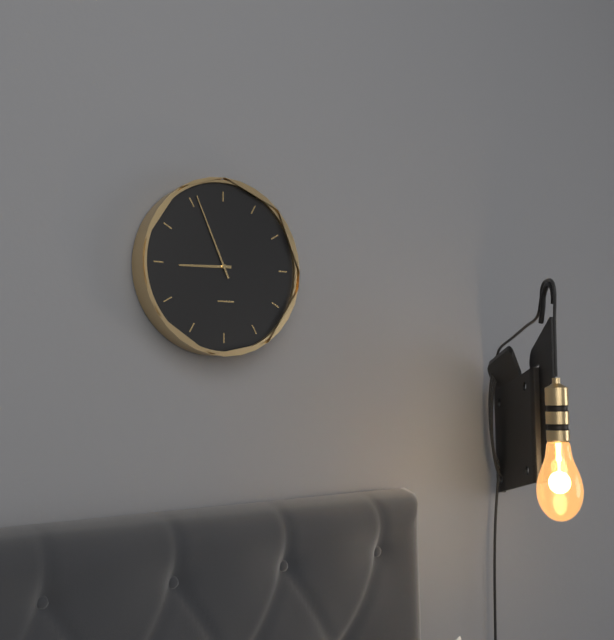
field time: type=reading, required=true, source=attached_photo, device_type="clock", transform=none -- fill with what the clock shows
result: 8:56
